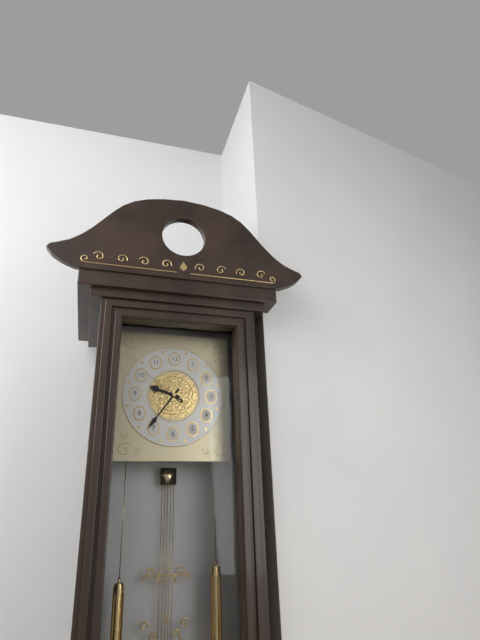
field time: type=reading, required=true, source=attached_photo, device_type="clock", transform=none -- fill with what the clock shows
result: 9:36
